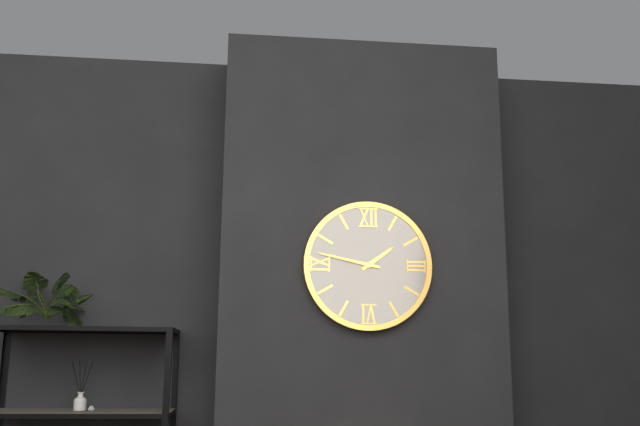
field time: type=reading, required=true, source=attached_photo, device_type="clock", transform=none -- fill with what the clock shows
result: 1:47
